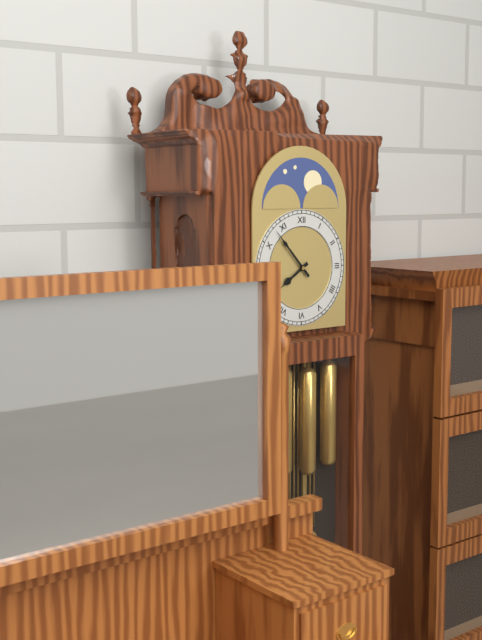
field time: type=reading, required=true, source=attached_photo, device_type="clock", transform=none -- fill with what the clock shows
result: 7:53
